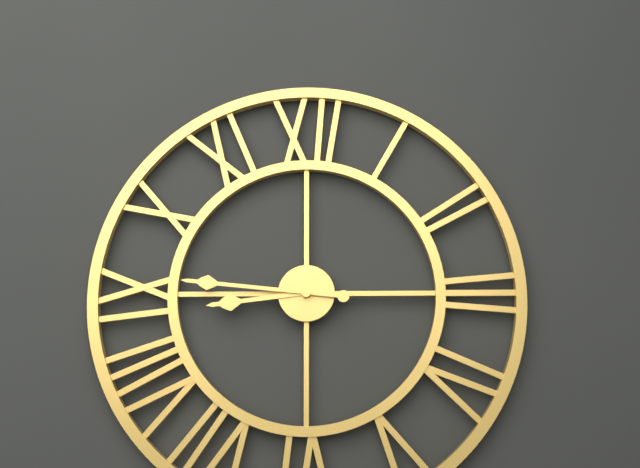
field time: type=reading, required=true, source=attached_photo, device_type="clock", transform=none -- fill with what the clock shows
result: 8:46
